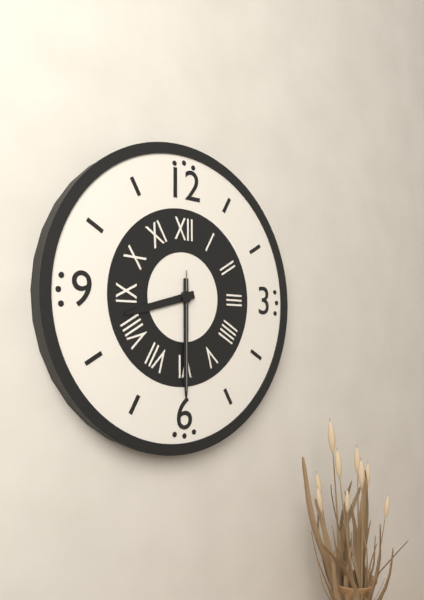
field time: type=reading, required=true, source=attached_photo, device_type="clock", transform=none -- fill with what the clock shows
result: 8:30:30
